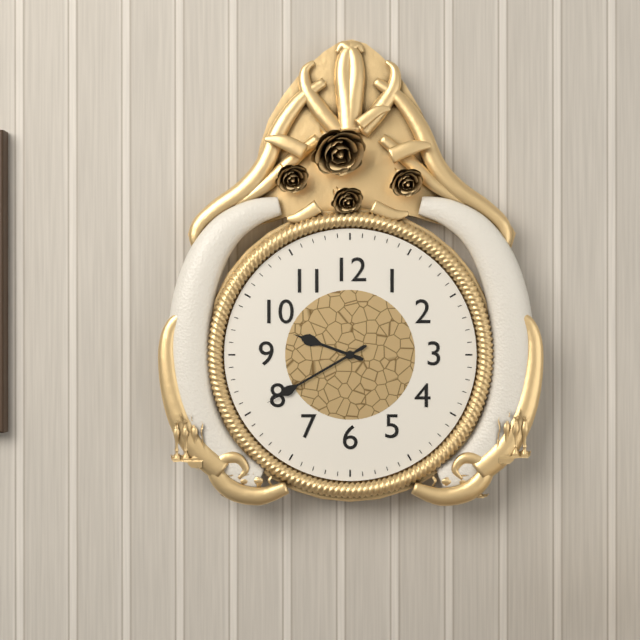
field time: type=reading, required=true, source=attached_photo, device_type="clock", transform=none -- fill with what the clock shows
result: 9:40
